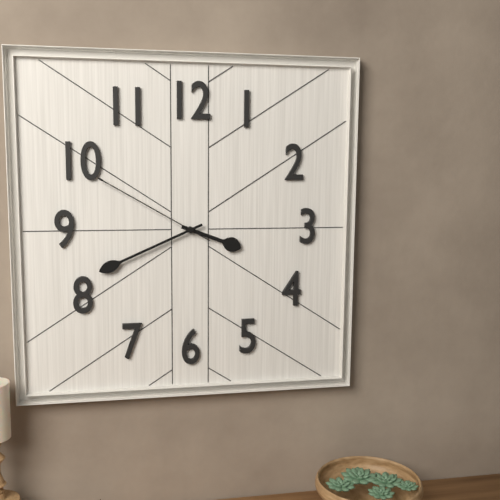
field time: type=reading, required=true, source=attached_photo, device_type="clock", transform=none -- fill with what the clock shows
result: 3:41:50
